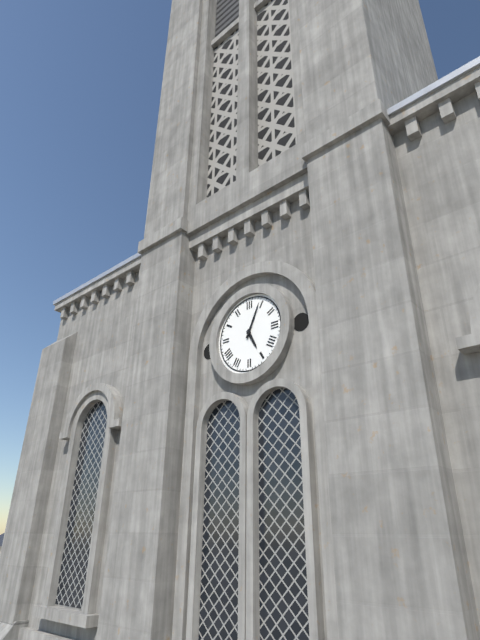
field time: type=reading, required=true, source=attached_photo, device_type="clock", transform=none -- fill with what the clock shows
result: 5:04
